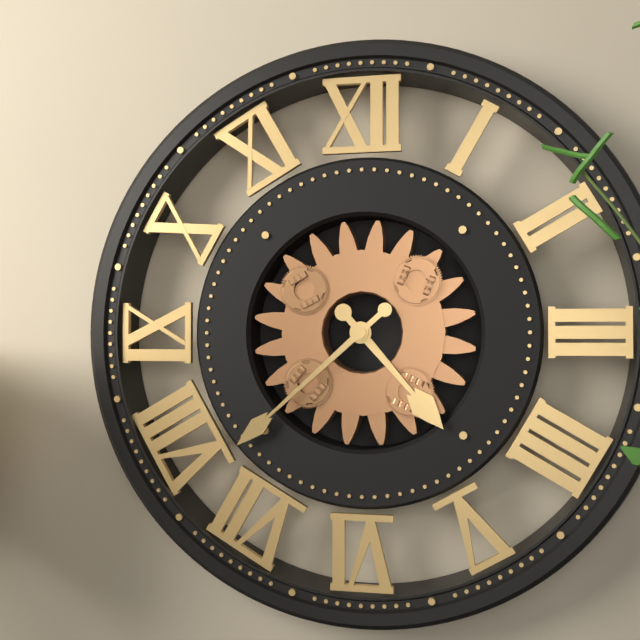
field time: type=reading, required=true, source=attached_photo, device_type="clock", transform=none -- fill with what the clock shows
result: 4:38
